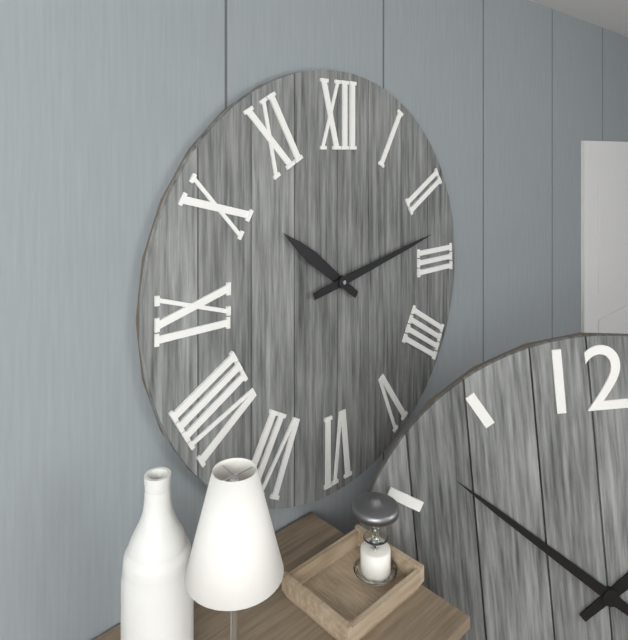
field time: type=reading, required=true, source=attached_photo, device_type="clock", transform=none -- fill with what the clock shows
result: 10:13
